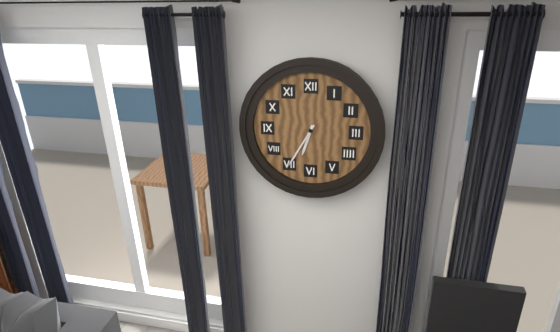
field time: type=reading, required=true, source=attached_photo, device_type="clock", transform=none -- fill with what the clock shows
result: 6:35
